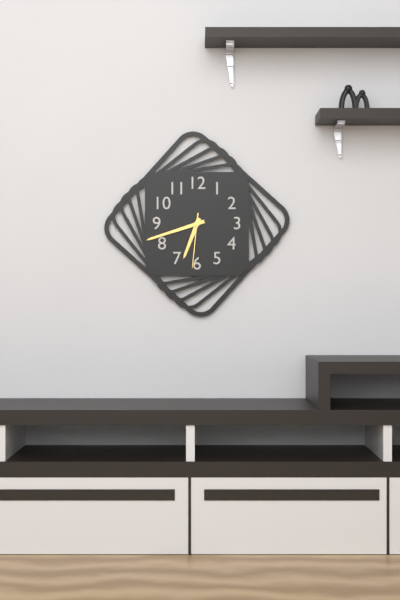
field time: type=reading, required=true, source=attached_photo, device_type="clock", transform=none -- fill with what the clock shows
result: 6:42:31
